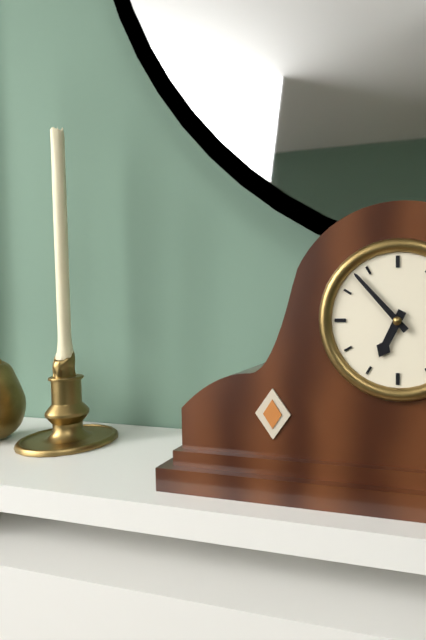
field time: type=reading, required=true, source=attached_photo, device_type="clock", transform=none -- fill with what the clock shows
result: 6:53
